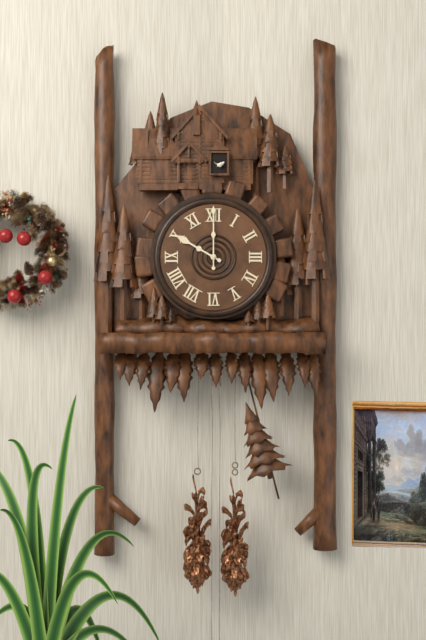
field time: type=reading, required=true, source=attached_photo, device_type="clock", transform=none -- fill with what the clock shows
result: 10:00
